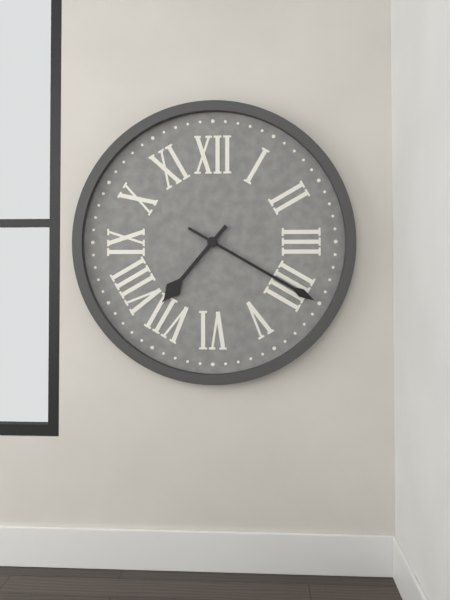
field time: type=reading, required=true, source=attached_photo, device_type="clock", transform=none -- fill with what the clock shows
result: 7:20
